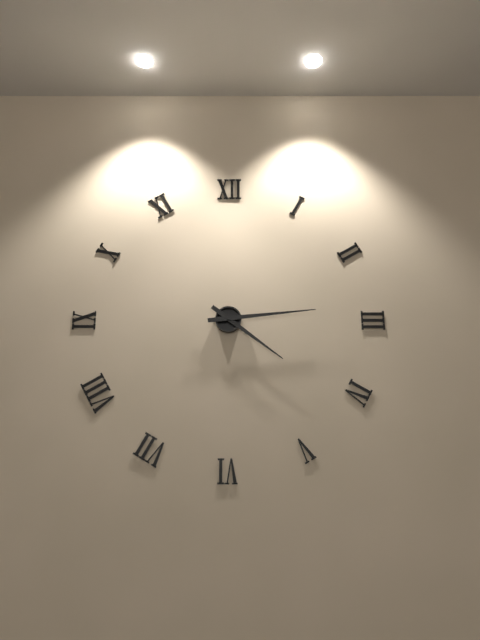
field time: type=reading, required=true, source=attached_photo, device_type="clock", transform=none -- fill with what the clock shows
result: 4:14
